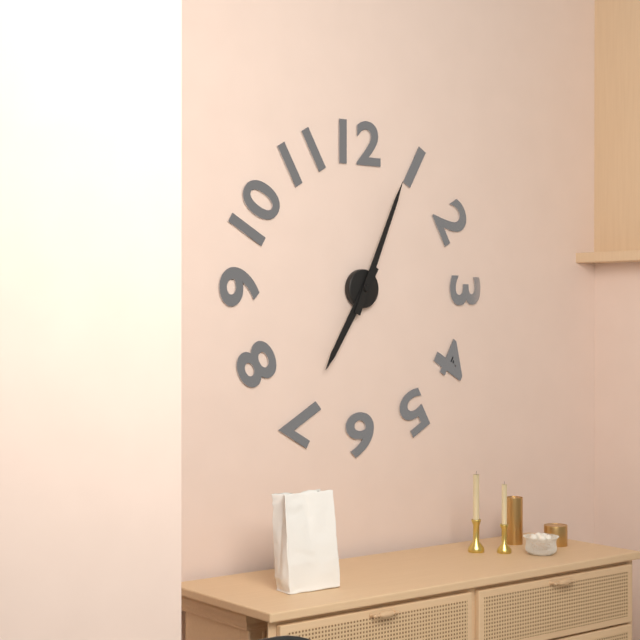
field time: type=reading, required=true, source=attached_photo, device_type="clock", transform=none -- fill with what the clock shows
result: 7:04
